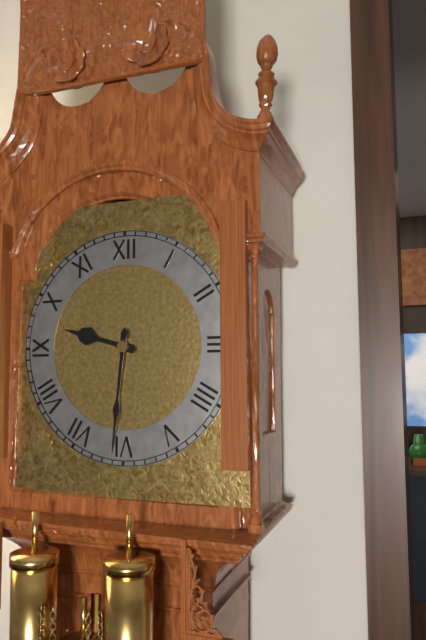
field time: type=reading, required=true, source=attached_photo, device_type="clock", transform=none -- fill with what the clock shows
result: 9:31
